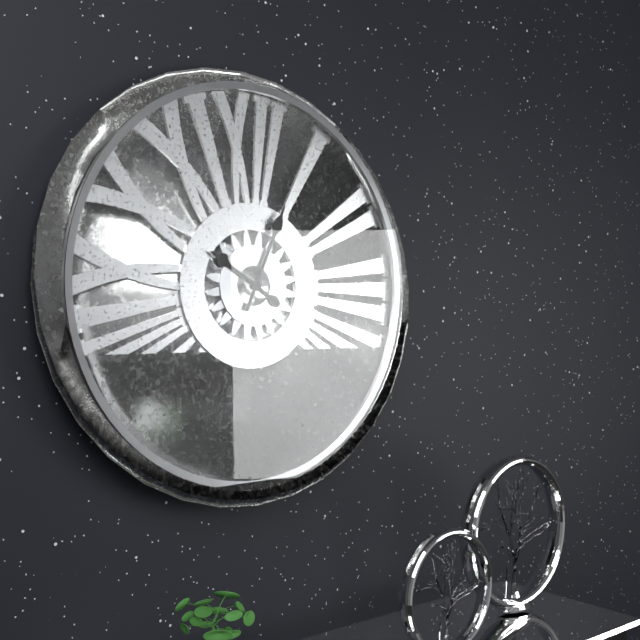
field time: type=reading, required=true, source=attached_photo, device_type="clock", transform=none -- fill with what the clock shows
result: 10:04
